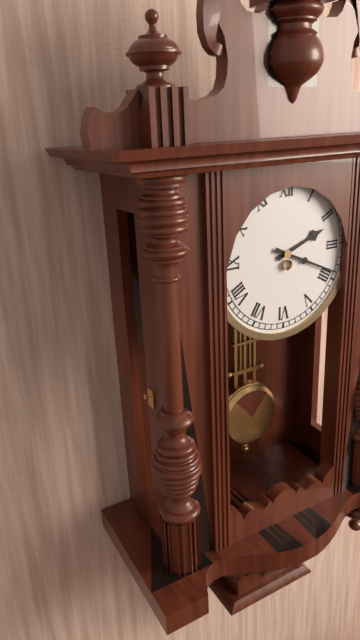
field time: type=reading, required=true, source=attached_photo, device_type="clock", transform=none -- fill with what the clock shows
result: 2:19
